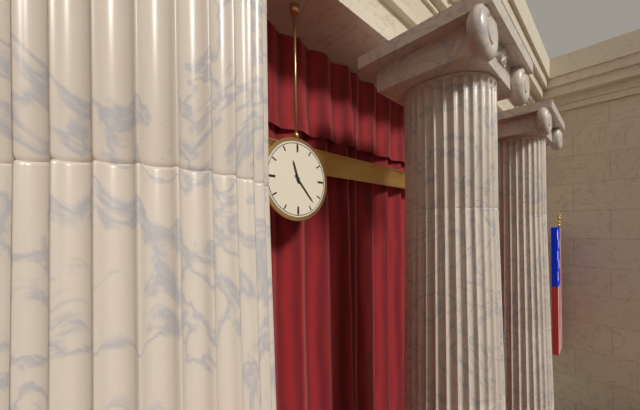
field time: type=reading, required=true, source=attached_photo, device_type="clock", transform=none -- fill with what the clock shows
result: 11:23
